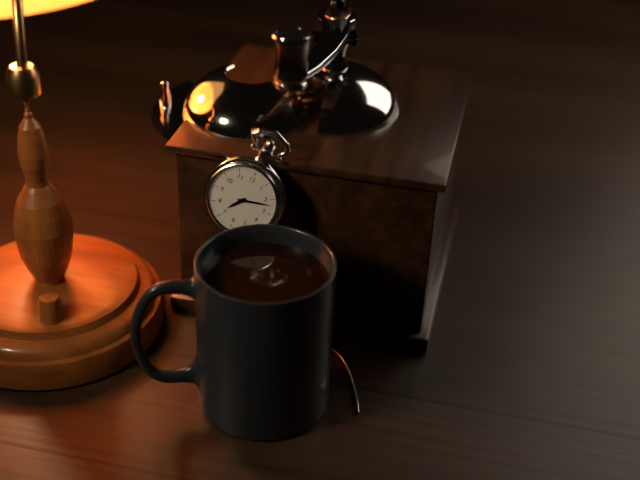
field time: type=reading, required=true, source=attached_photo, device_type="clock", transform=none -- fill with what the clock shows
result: 7:12
